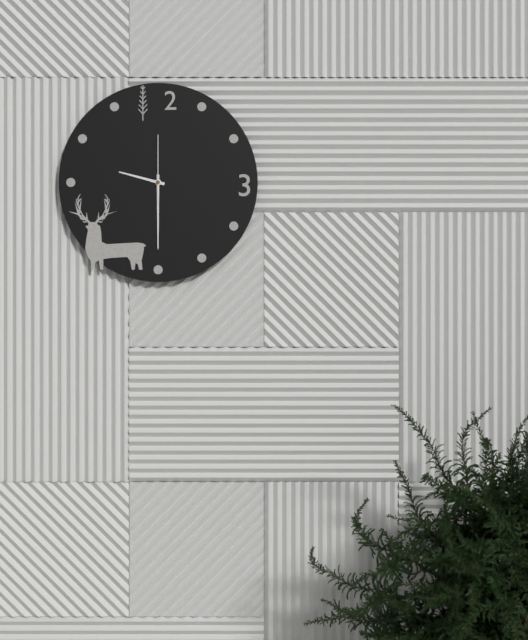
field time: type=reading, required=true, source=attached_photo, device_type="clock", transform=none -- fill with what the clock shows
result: 9:30:00
